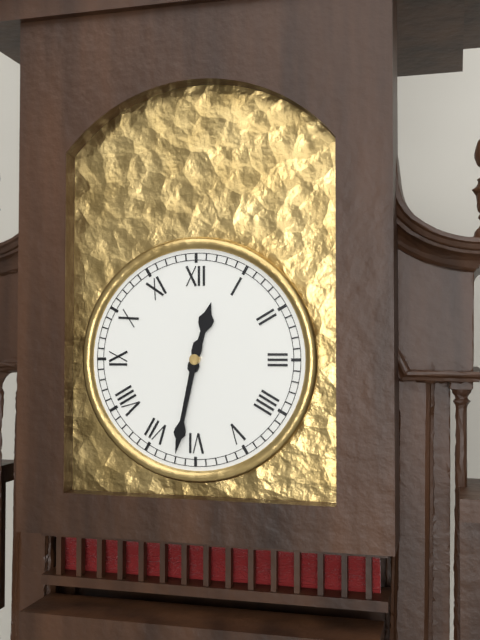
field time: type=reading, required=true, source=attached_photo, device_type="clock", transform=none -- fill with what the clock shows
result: 12:32
